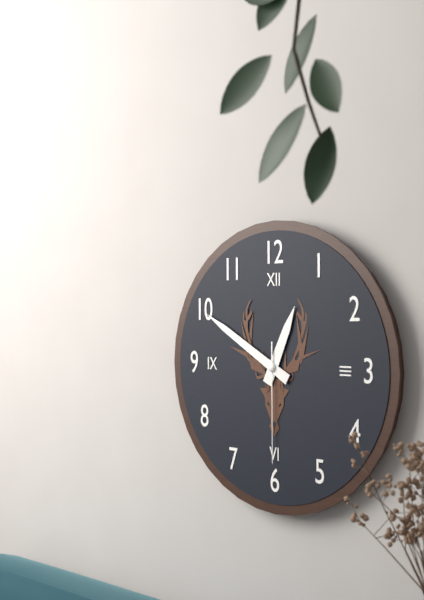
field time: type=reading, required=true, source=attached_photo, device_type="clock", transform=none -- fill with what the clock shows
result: 12:50:30
